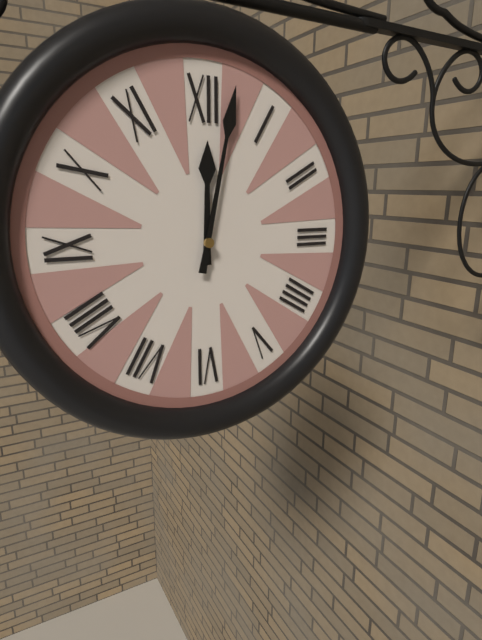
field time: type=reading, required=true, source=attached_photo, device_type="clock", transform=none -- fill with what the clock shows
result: 12:02
